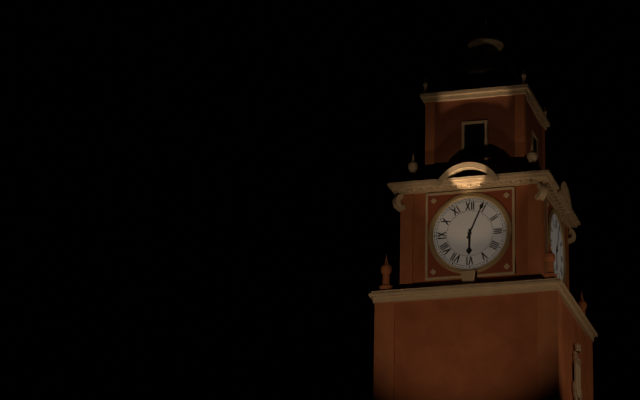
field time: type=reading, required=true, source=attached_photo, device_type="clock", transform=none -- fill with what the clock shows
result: 6:04
